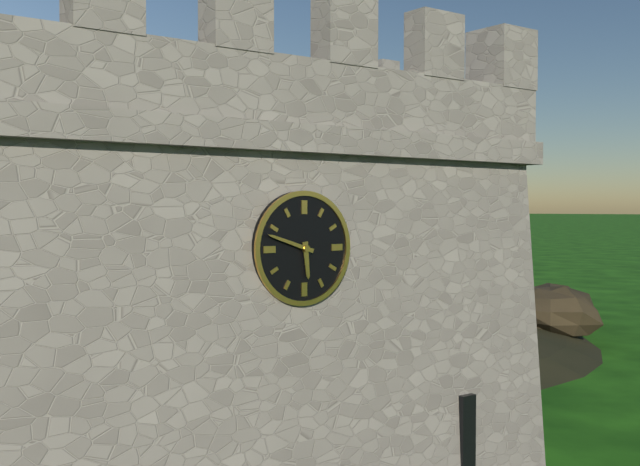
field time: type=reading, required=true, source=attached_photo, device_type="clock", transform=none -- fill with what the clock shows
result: 5:48
